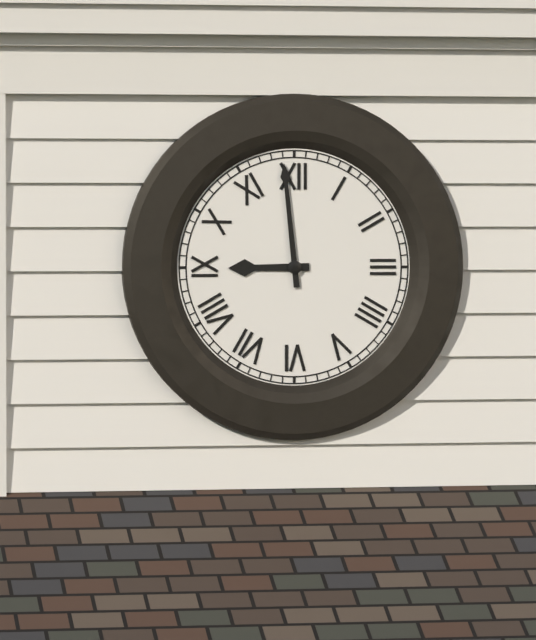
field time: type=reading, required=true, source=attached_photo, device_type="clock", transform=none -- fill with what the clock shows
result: 8:59
